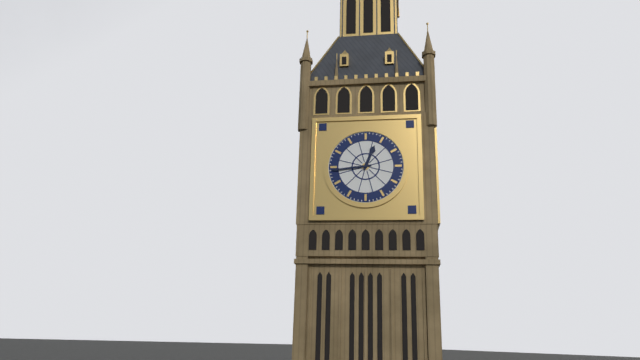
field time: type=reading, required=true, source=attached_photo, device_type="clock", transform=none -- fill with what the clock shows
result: 12:44
